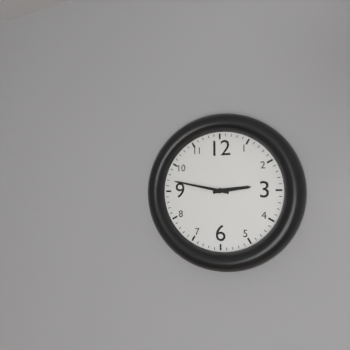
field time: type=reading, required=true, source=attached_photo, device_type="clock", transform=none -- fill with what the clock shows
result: 2:47
